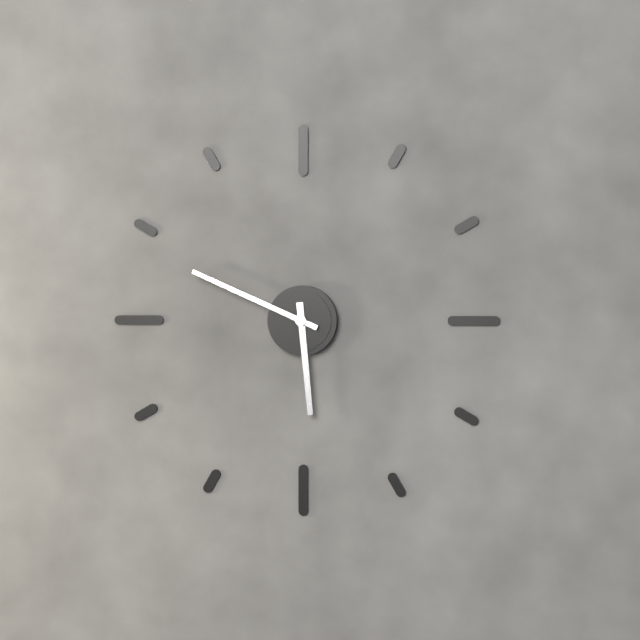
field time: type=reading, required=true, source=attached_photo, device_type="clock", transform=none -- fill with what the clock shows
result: 5:49
